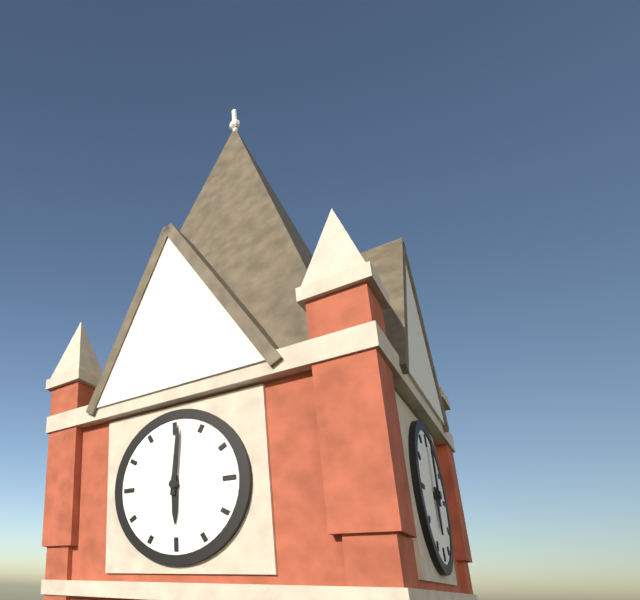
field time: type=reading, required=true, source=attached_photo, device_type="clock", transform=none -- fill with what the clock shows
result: 6:01
